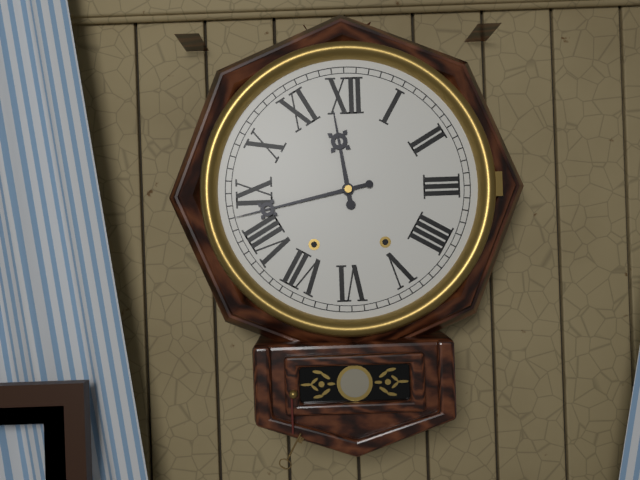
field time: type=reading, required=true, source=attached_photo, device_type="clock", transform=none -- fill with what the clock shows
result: 11:43
